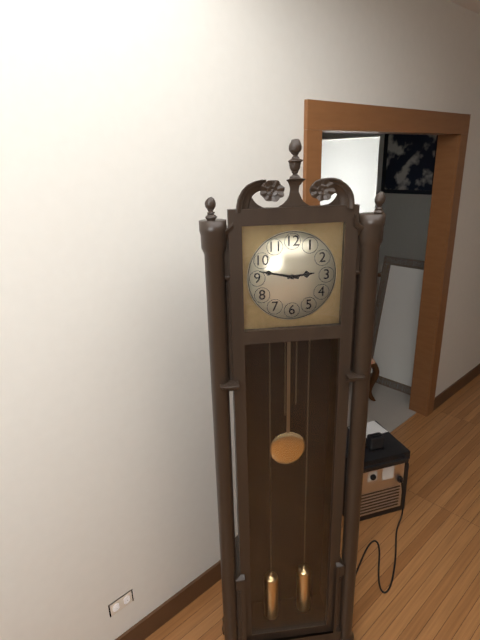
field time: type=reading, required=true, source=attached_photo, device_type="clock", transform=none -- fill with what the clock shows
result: 2:47
